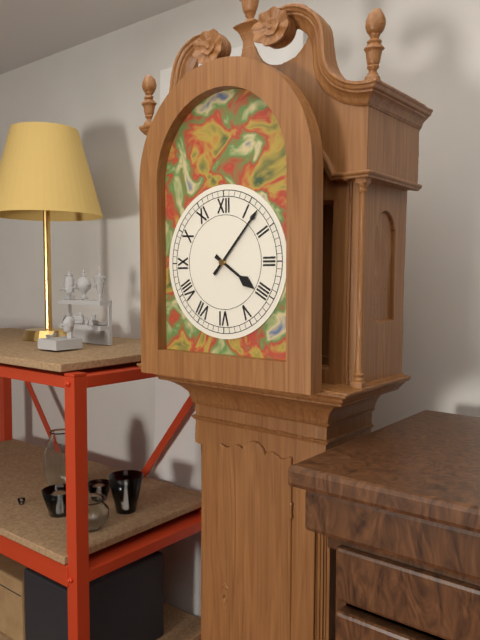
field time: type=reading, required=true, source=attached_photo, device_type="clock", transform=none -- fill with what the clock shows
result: 4:07
